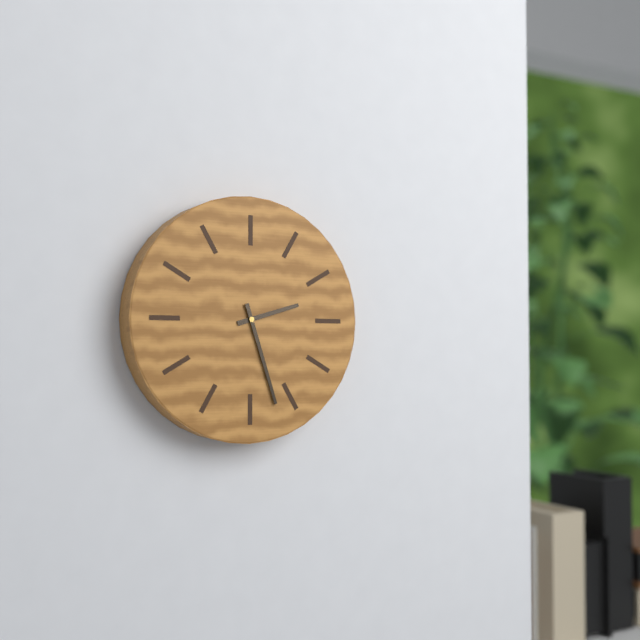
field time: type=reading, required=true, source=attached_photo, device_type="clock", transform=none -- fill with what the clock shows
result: 2:27
